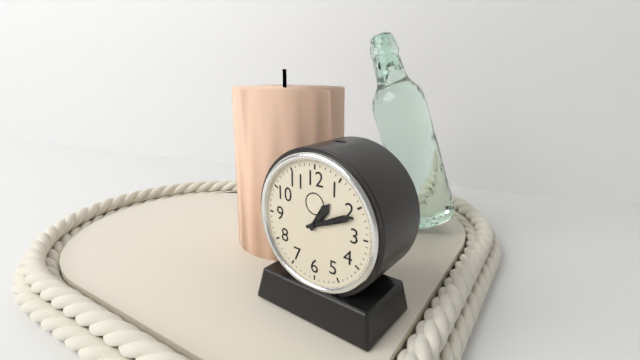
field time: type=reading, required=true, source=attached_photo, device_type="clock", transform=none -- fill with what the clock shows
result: 1:11
